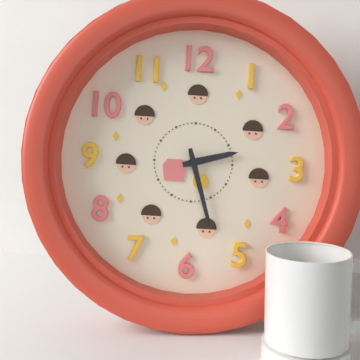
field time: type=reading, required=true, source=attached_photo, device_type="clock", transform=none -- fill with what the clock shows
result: 2:27
